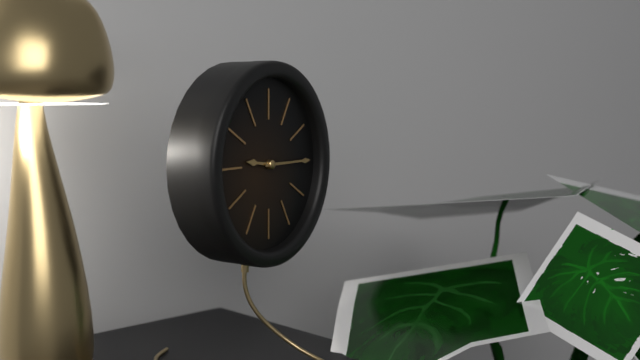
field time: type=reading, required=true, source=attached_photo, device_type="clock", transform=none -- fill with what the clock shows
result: 9:15
